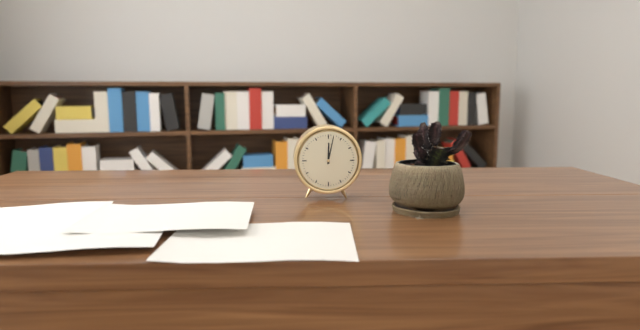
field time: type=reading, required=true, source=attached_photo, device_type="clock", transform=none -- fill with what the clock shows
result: 12:02
